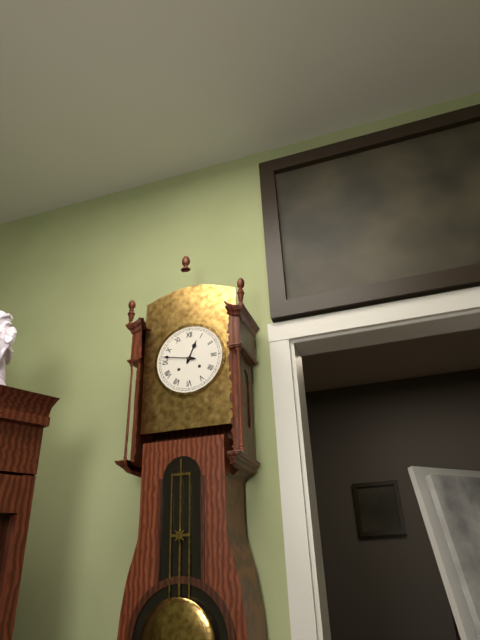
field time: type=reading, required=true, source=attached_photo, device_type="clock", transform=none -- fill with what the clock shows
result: 12:47
